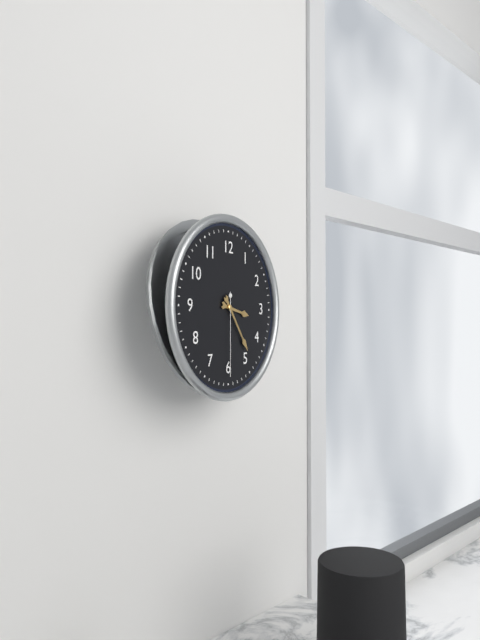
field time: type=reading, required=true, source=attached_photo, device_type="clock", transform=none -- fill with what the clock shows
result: 3:24:30
